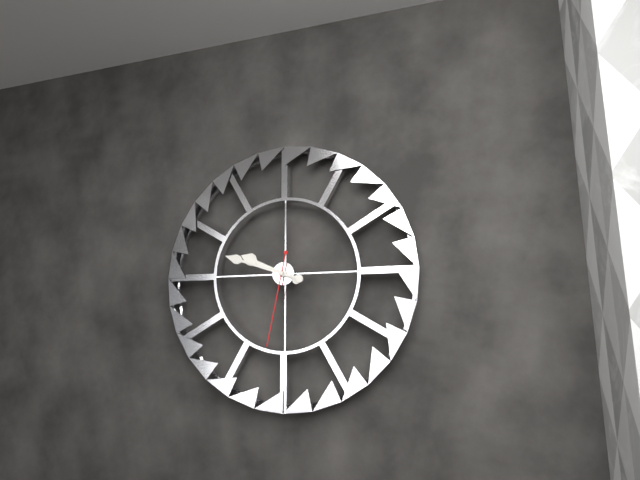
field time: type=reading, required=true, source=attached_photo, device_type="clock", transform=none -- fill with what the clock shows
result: 9:48:32
